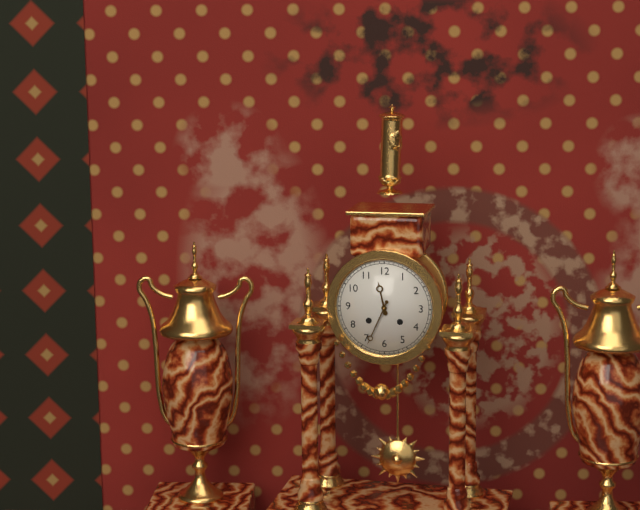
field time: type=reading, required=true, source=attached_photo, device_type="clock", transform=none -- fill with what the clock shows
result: 11:34
